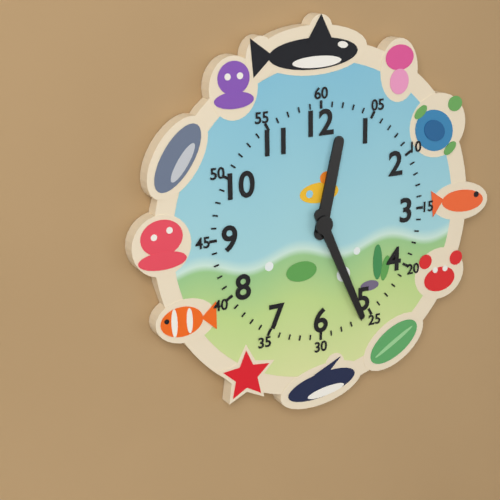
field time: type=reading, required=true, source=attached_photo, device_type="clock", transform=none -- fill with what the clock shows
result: 12:26
